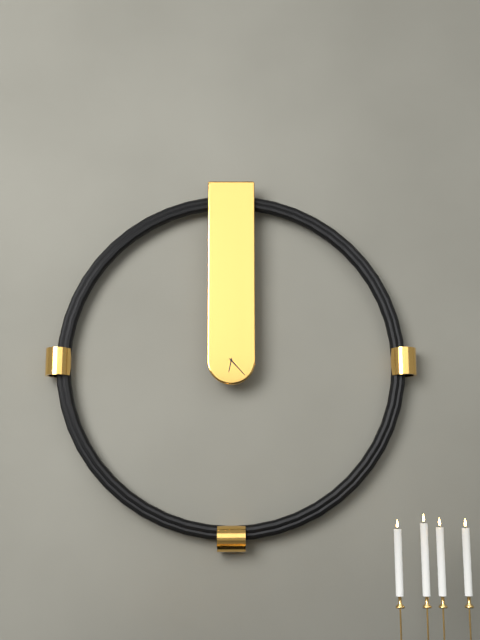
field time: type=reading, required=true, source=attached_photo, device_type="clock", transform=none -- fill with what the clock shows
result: 6:23
